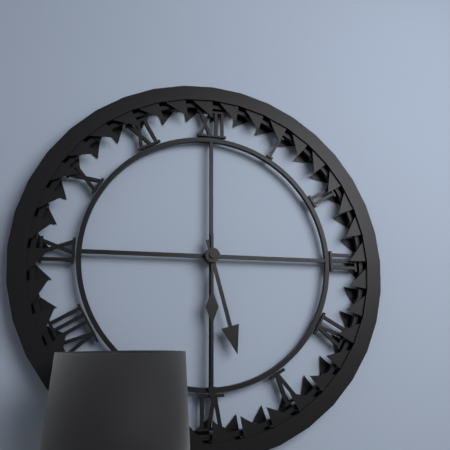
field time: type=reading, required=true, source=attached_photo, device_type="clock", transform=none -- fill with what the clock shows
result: 5:30
